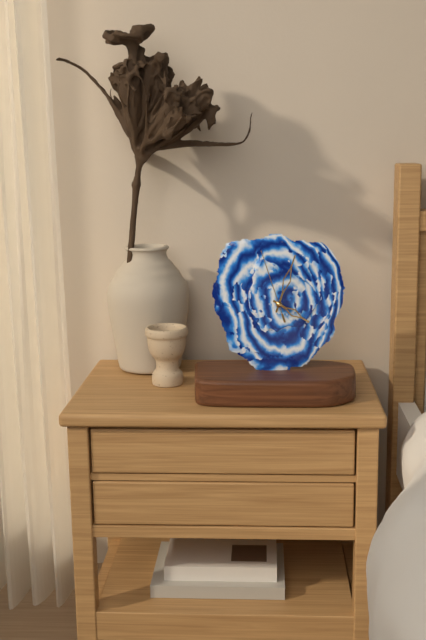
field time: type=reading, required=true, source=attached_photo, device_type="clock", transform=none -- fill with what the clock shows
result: 4:03:57
